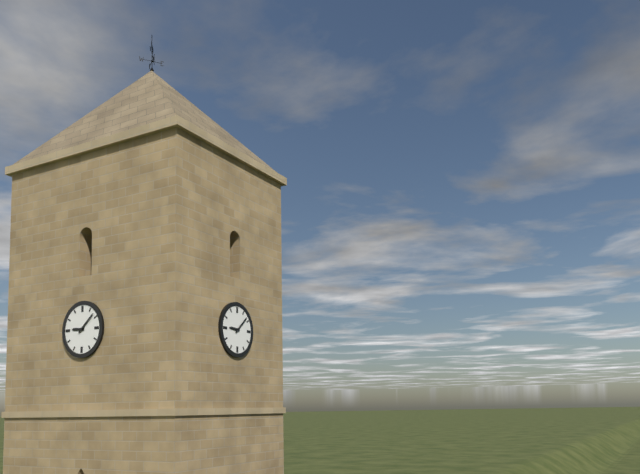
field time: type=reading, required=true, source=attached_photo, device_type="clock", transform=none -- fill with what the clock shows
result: 9:08
